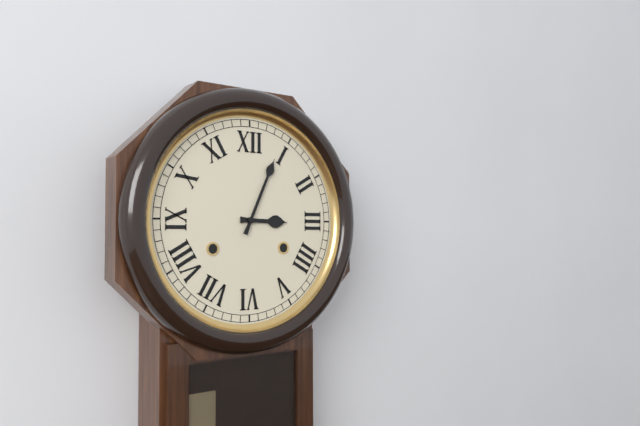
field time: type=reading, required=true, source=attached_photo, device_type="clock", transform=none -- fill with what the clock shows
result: 3:04
